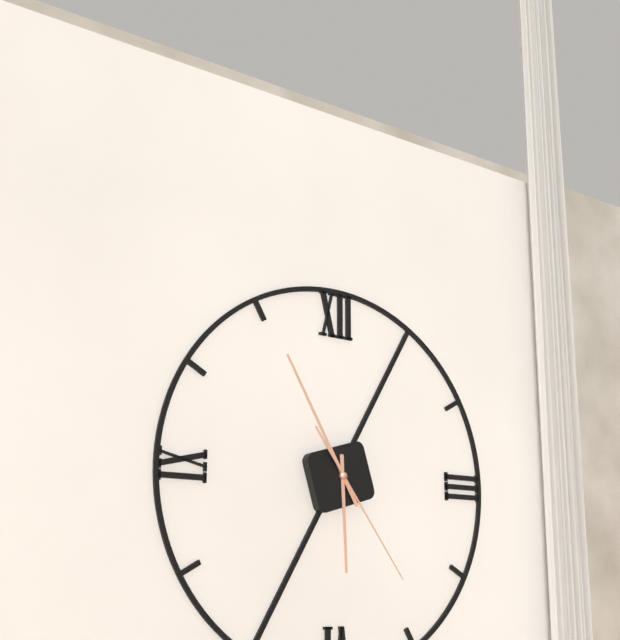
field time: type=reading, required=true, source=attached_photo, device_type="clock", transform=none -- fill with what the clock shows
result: 5:55:24
